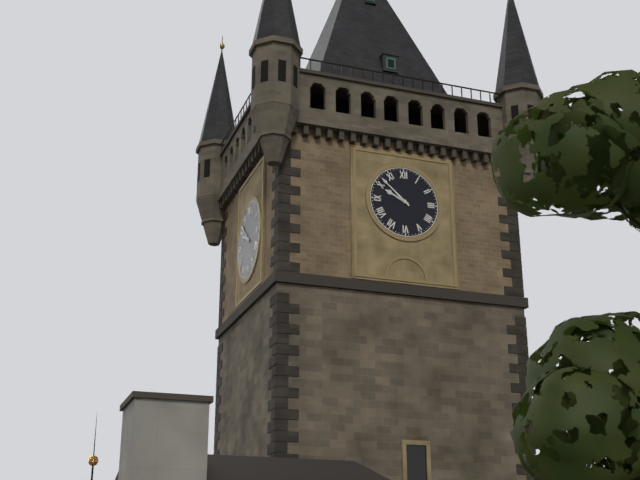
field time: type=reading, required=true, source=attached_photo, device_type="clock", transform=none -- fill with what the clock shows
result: 9:52
